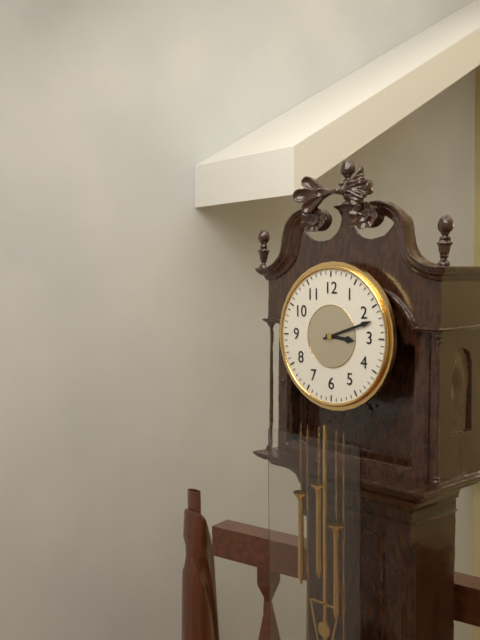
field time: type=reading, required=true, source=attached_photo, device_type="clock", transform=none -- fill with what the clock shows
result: 3:12
